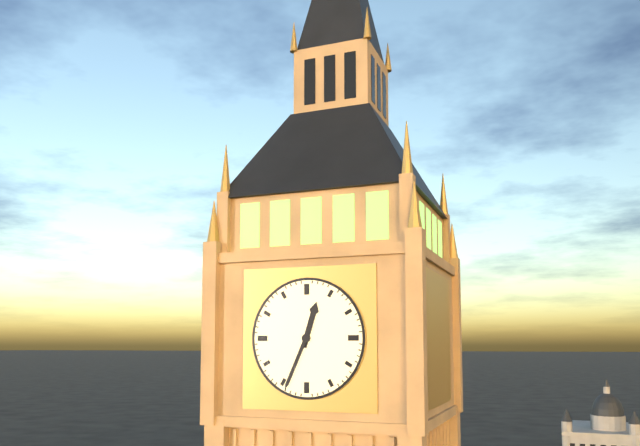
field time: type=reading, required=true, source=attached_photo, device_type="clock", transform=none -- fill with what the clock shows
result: 12:34
